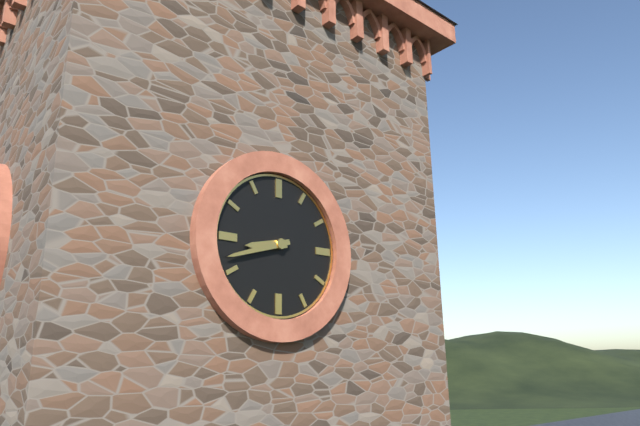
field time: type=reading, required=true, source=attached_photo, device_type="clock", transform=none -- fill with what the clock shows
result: 8:42
